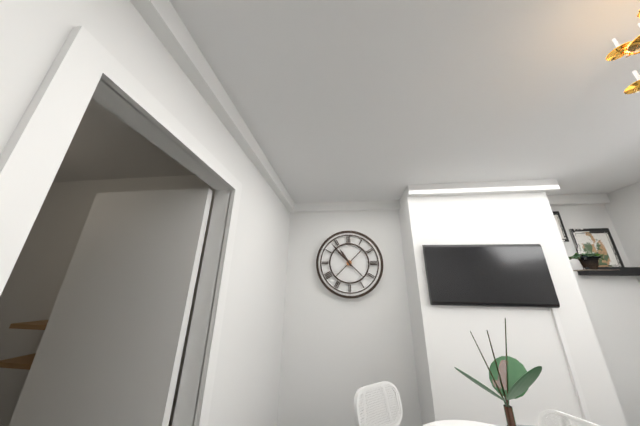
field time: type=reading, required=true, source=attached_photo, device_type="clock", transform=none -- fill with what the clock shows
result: 10:53
